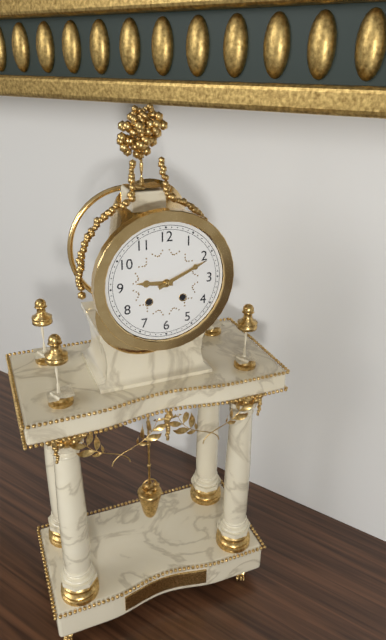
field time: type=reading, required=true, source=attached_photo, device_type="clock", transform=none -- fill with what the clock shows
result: 9:11
